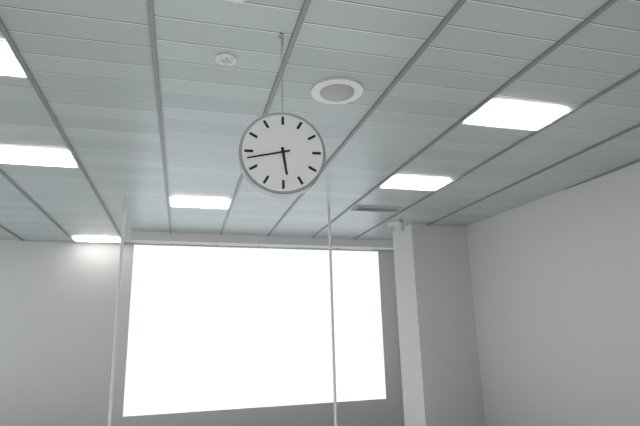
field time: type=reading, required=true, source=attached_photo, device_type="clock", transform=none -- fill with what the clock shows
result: 5:43
